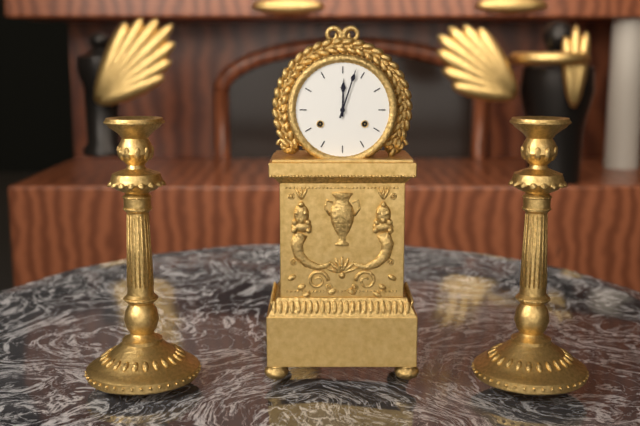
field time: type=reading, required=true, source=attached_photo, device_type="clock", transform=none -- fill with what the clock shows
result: 12:03
